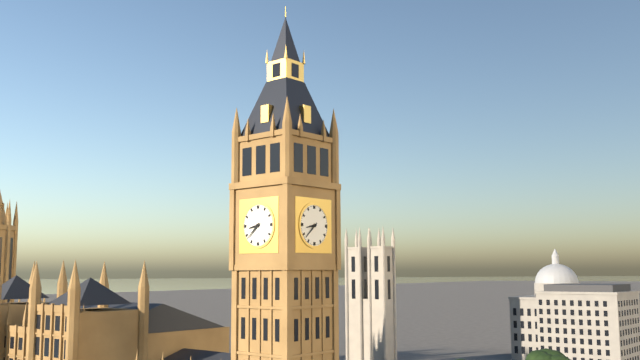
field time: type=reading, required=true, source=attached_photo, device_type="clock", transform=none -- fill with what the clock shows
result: 8:38
